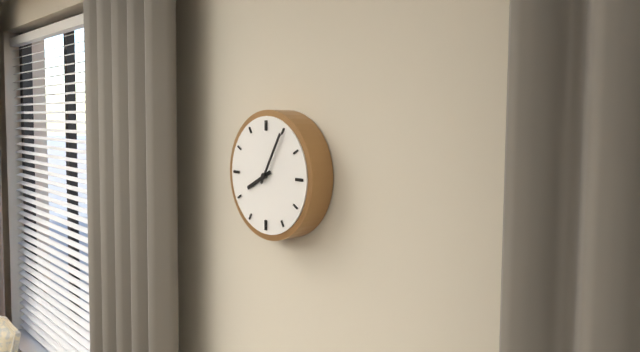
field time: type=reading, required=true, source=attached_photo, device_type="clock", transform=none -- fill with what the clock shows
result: 8:05
